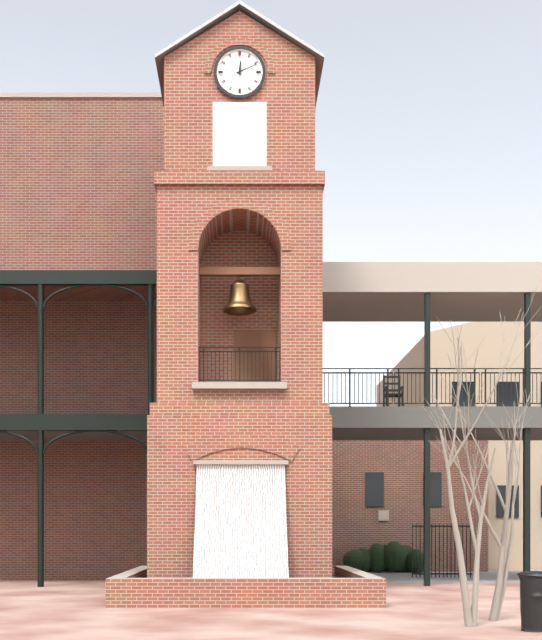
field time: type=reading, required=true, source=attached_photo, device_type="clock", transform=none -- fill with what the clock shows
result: 12:11
